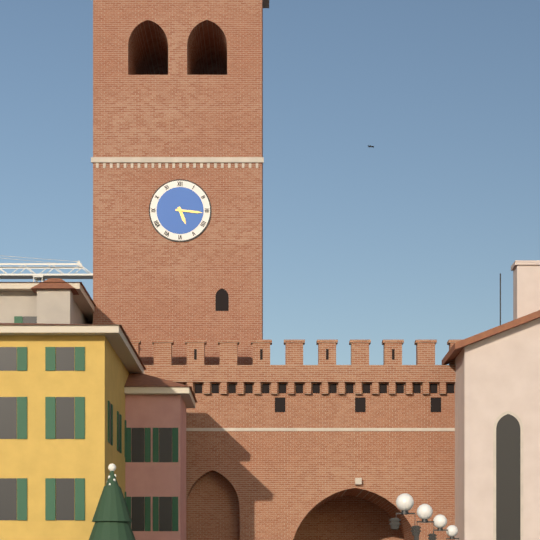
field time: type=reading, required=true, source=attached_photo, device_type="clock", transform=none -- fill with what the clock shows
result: 5:16
